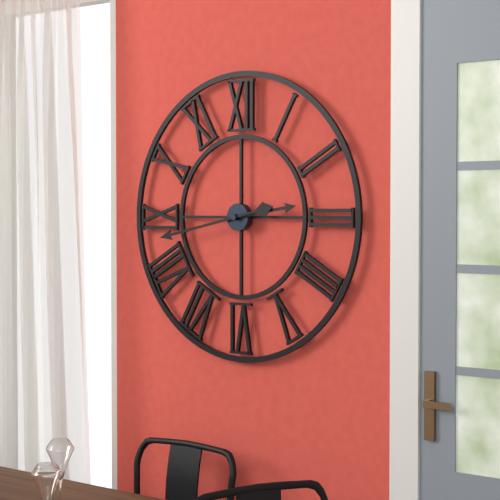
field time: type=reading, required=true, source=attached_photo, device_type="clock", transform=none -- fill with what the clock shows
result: 2:43
